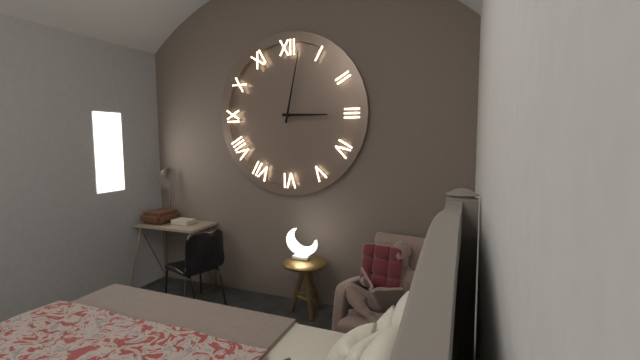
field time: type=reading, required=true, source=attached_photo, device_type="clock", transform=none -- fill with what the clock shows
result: 3:02
